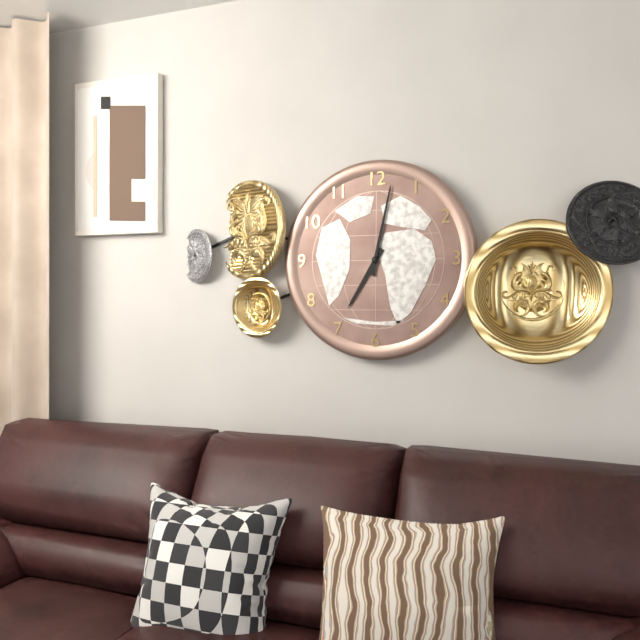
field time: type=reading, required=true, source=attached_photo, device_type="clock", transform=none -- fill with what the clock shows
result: 7:02
